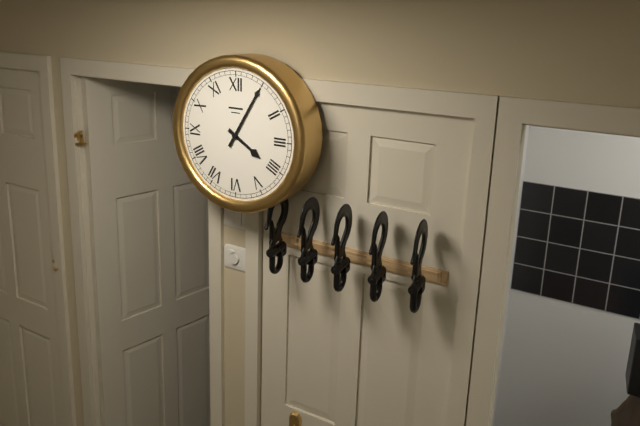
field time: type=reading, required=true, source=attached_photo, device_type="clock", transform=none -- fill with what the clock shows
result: 4:05
